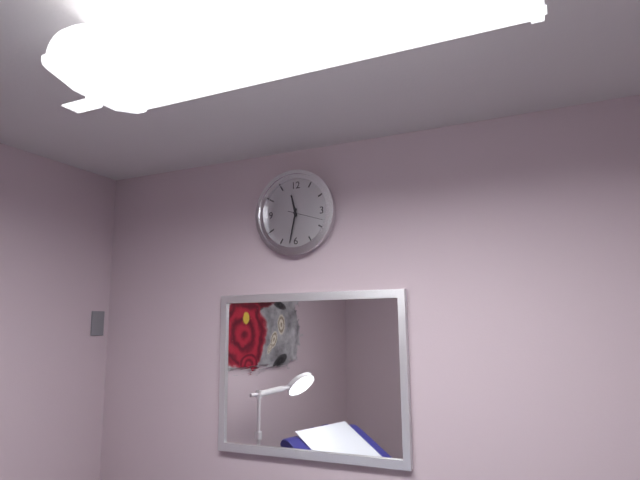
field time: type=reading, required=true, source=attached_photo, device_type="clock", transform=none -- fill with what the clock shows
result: 11:32
